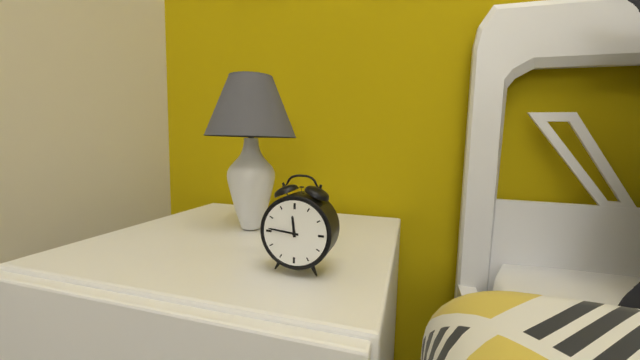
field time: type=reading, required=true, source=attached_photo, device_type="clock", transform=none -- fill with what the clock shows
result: 11:46
